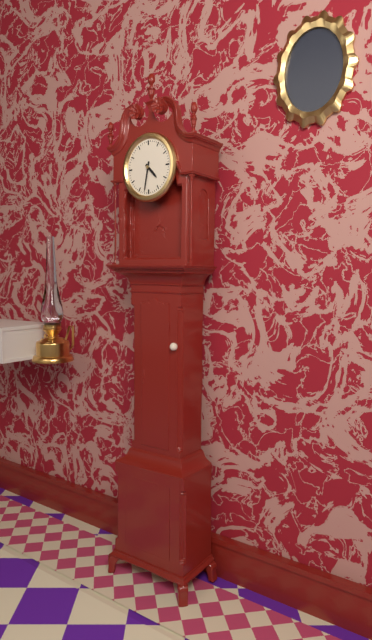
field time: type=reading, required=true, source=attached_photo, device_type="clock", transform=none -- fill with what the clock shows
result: 4:32
